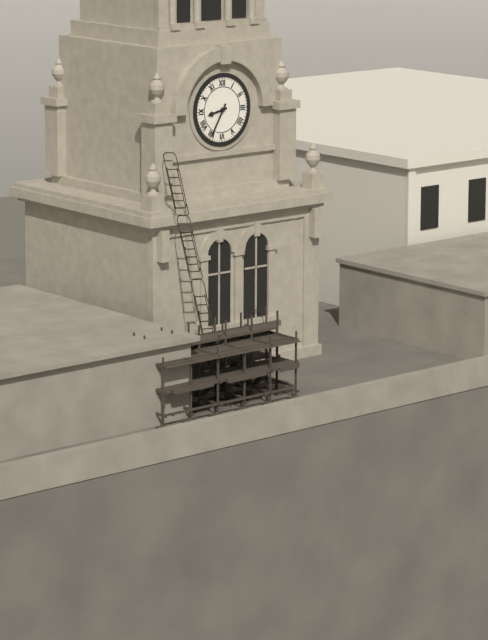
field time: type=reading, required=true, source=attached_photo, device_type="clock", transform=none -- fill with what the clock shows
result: 8:35
